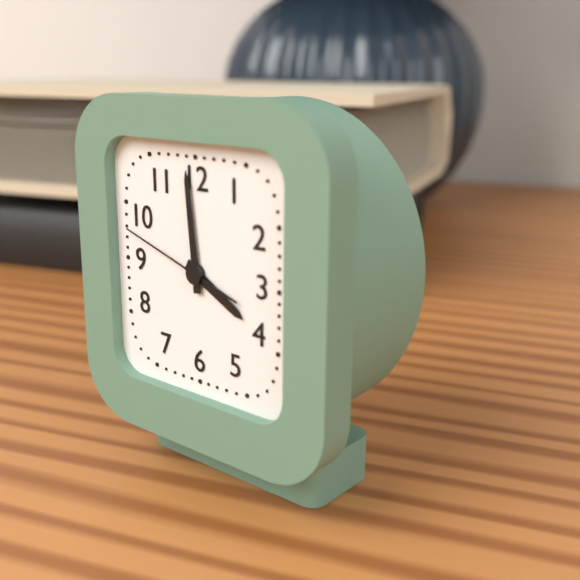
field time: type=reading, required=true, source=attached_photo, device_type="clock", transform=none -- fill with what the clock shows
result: 3:59:48
